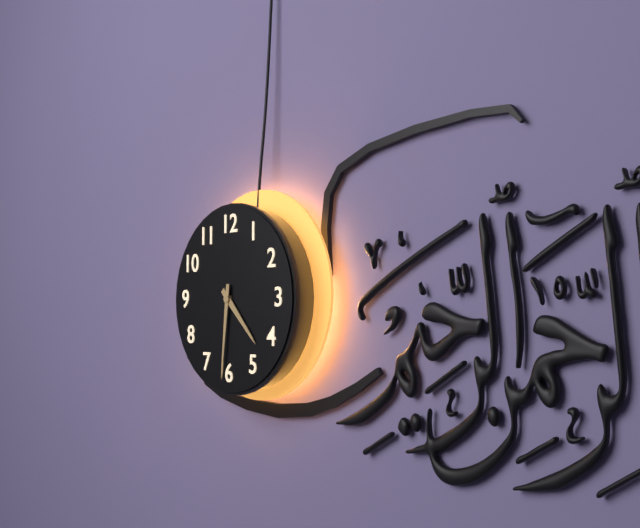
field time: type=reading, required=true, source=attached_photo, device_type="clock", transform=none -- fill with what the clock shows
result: 4:31
